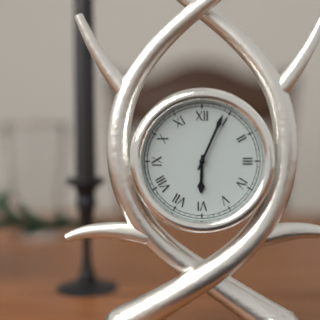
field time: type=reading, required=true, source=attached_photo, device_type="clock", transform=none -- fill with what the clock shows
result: 6:04
